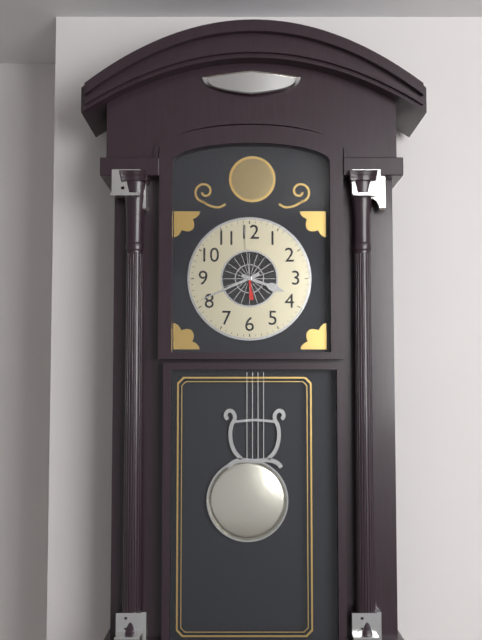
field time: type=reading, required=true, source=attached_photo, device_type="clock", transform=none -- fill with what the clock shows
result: 3:41:59
